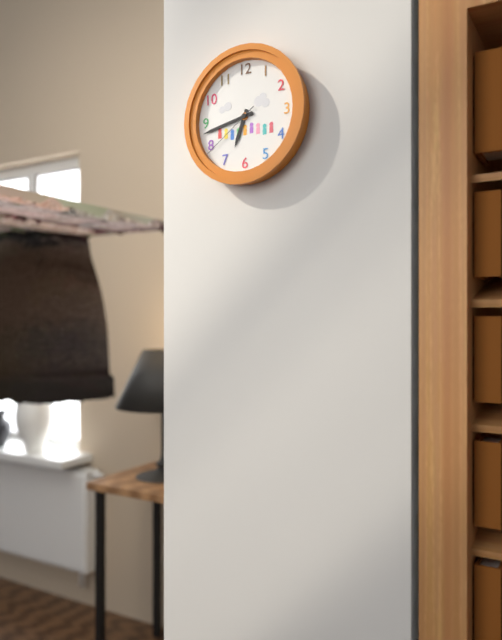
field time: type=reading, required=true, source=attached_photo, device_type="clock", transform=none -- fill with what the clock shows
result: 6:43:39
